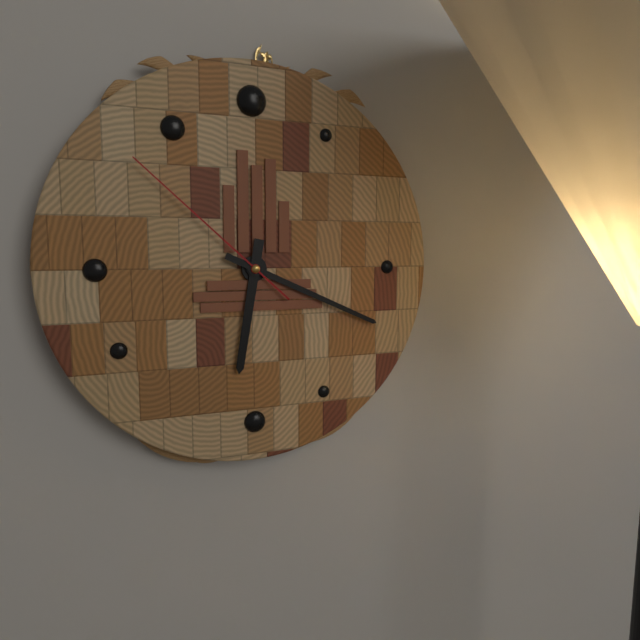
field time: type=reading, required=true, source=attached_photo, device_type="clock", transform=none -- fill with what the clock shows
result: 6:19:52
